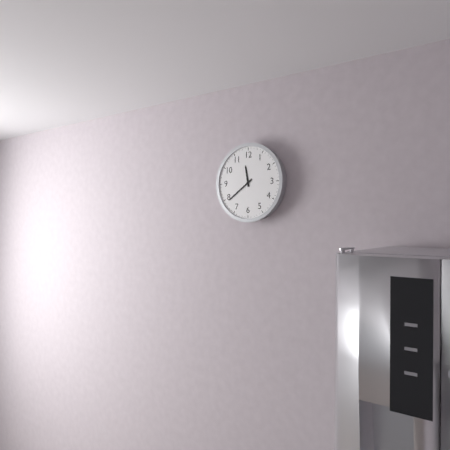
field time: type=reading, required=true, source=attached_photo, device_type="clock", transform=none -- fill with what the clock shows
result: 11:39
